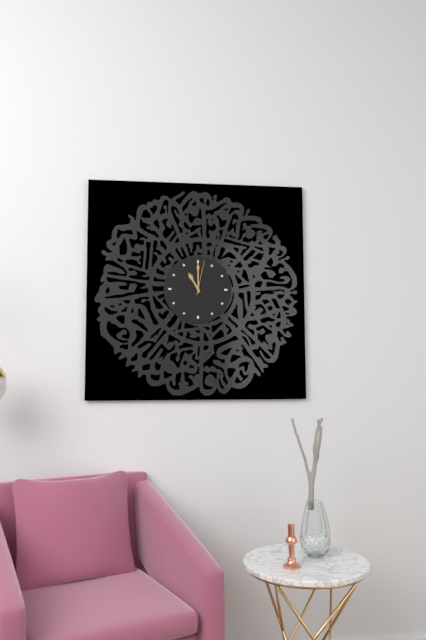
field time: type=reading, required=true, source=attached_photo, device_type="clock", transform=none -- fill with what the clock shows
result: 11:00
